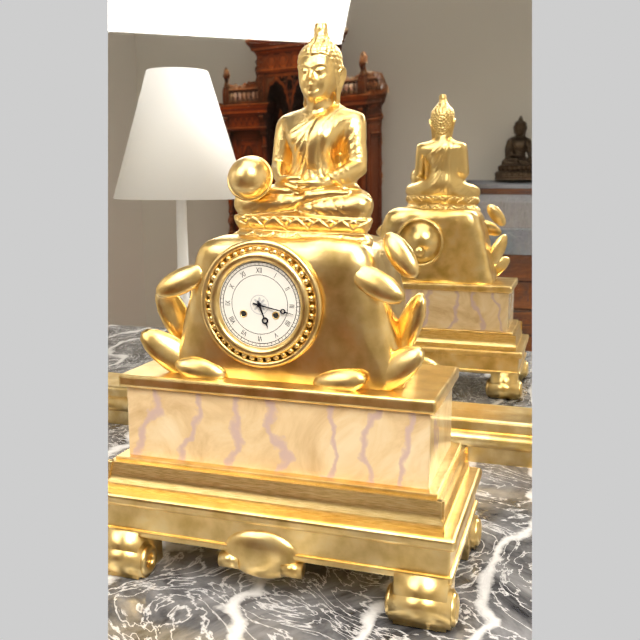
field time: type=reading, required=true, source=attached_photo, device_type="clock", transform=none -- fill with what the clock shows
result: 5:17
